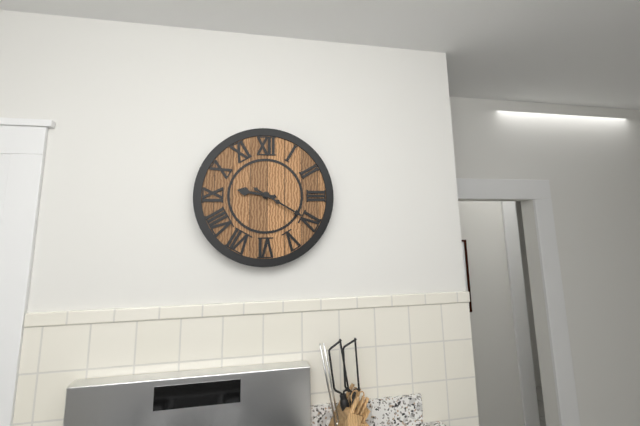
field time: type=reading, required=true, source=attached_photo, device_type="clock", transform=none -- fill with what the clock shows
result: 9:20
